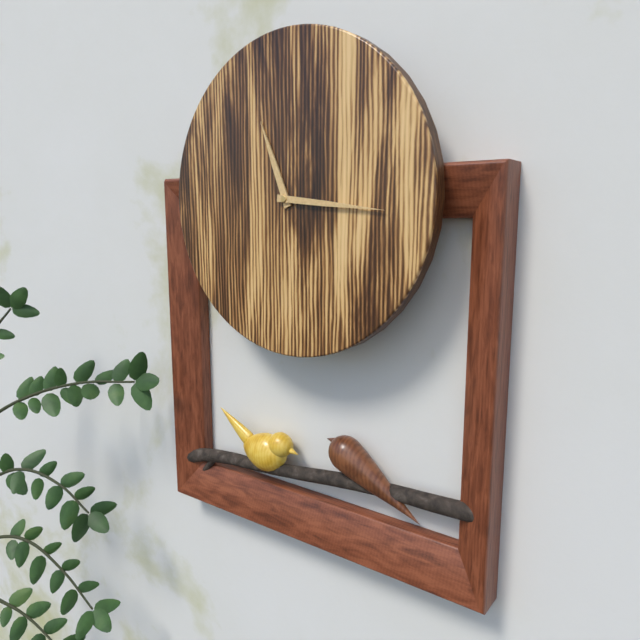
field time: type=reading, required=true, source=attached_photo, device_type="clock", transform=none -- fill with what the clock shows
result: 11:16
